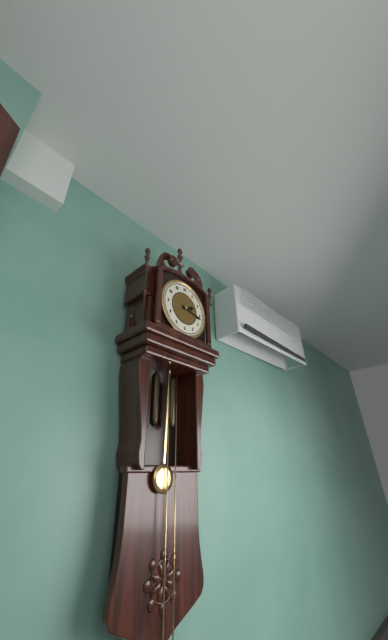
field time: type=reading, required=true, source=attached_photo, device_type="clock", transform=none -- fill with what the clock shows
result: 2:17
